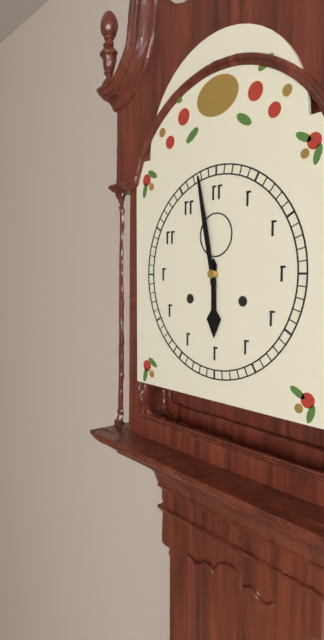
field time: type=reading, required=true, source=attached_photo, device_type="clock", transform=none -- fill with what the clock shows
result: 5:58
